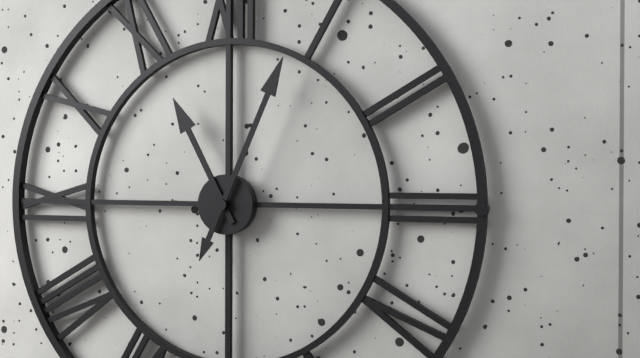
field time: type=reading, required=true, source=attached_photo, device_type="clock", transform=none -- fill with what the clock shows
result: 11:04
